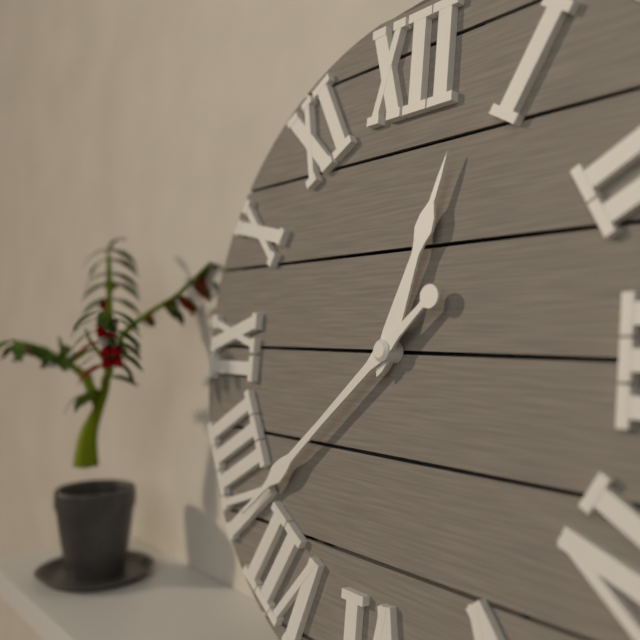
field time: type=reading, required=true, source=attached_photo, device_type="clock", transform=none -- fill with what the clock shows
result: 12:38
